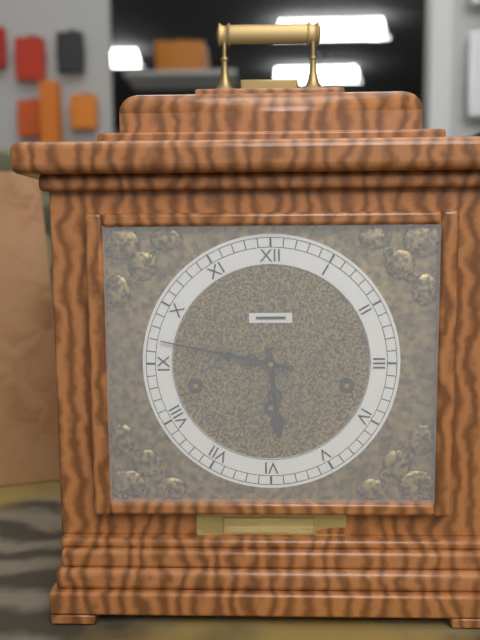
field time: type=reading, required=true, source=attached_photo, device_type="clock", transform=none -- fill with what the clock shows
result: 5:47
